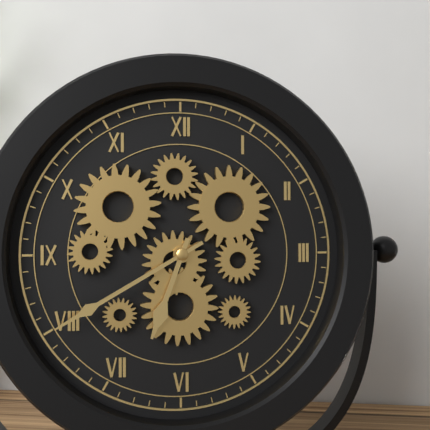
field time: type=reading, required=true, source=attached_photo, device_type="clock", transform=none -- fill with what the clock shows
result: 6:40
